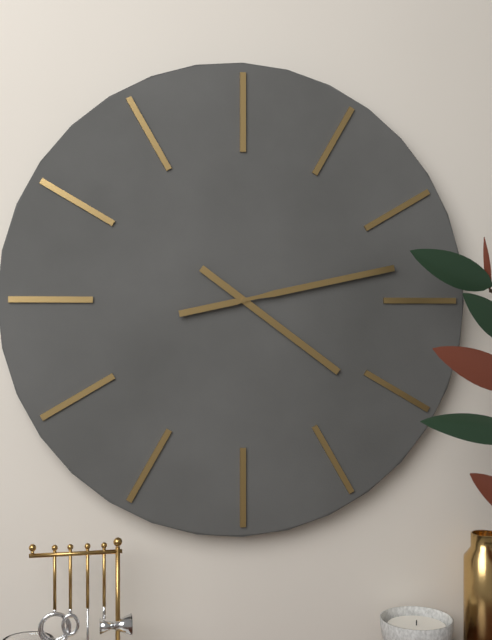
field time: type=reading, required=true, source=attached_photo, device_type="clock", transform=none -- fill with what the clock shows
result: 4:13
